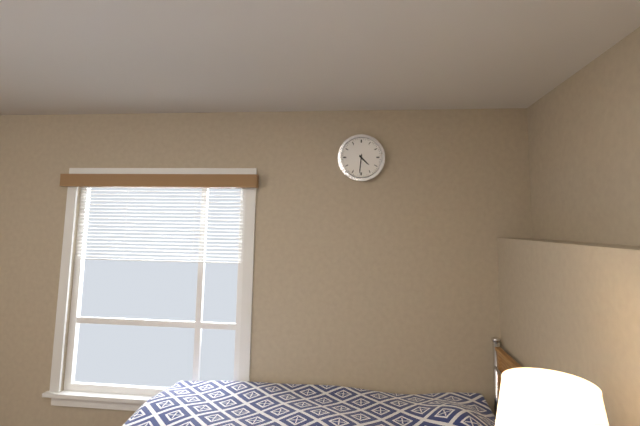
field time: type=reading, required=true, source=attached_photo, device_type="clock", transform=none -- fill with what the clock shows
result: 4:31
